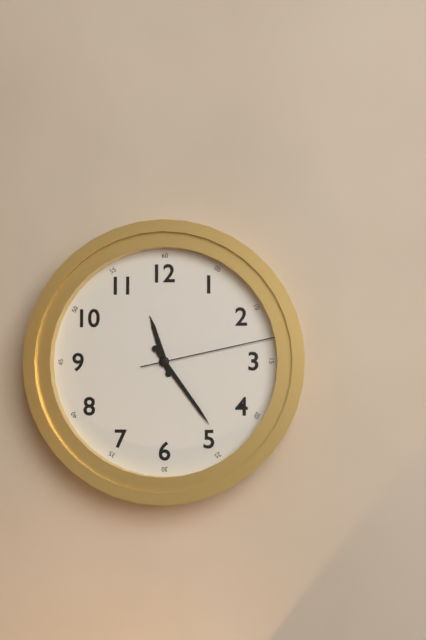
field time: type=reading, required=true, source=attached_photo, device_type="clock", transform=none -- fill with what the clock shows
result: 11:24:13
